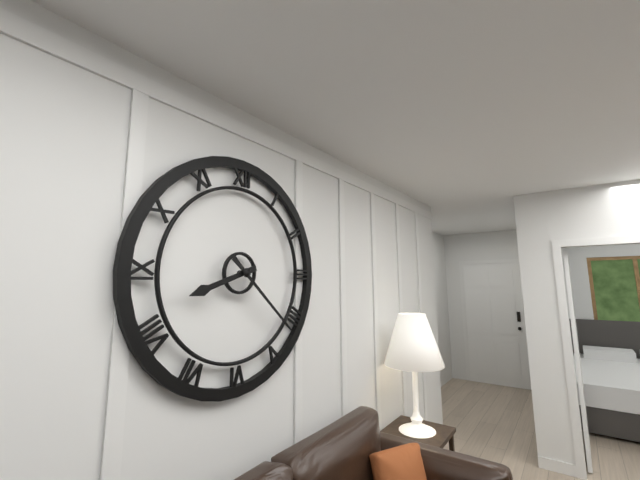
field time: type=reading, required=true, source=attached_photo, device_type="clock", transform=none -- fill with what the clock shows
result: 8:22
